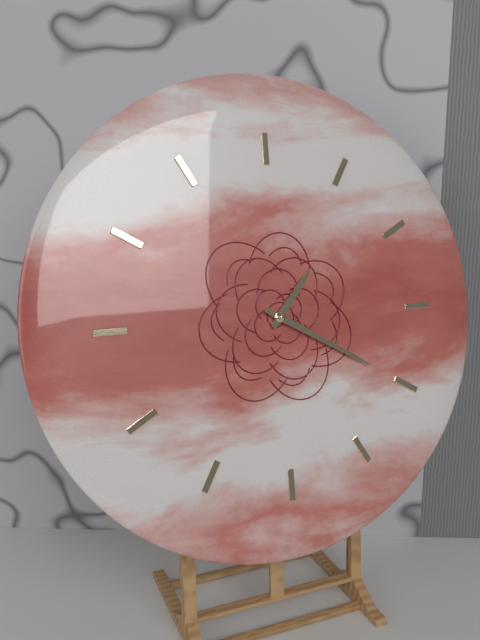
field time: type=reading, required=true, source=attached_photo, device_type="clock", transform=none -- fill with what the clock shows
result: 1:20
